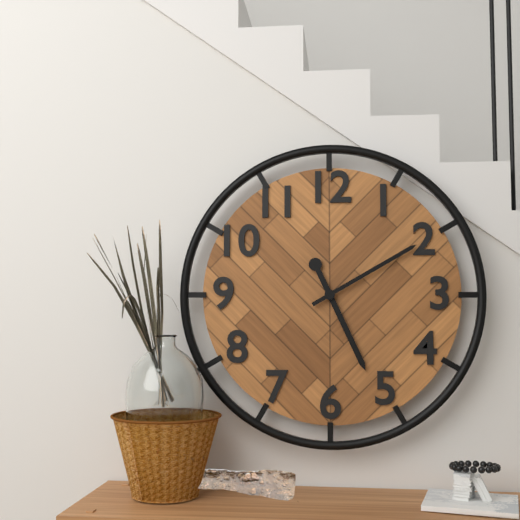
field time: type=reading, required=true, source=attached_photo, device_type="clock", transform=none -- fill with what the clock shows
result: 5:10
